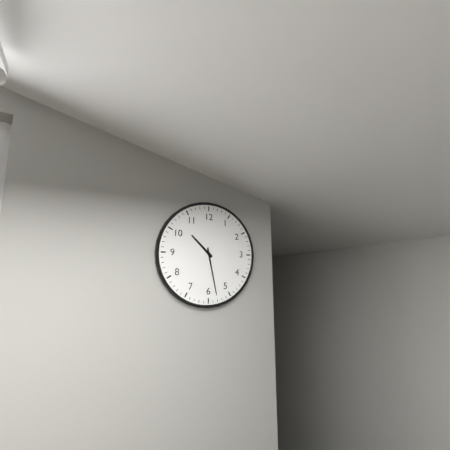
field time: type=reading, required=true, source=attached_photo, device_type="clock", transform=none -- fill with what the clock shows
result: 10:28
